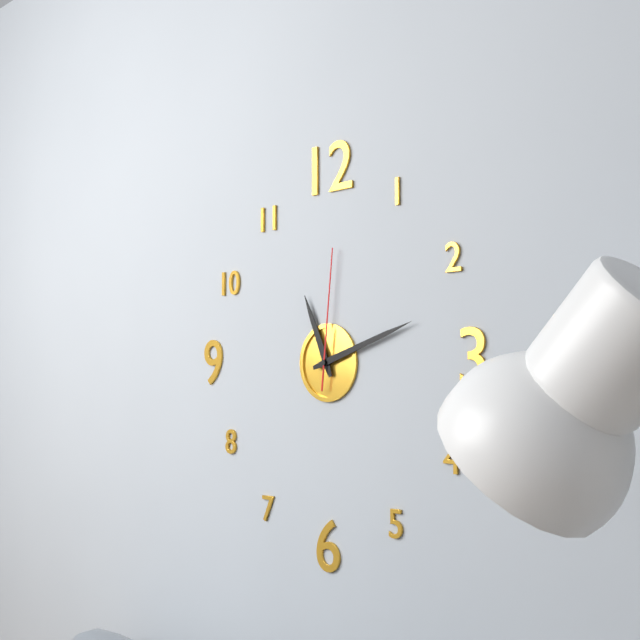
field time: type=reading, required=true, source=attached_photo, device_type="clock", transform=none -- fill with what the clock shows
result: 11:12:01
